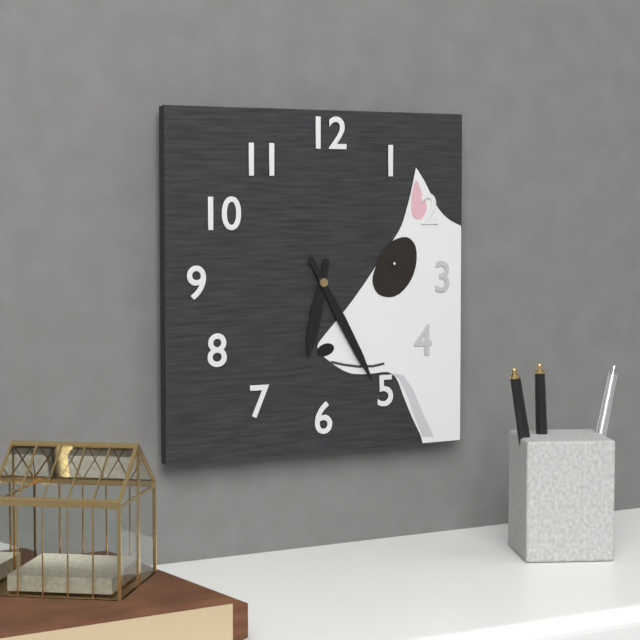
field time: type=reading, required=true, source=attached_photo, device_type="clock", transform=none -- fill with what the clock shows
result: 6:25
